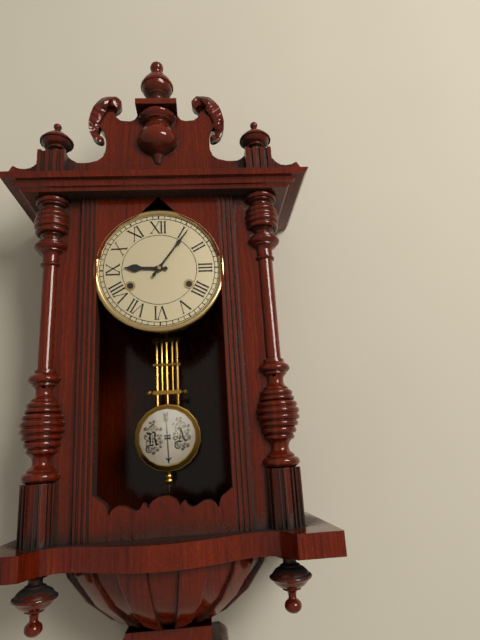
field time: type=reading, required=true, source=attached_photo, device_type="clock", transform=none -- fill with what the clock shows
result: 9:06
